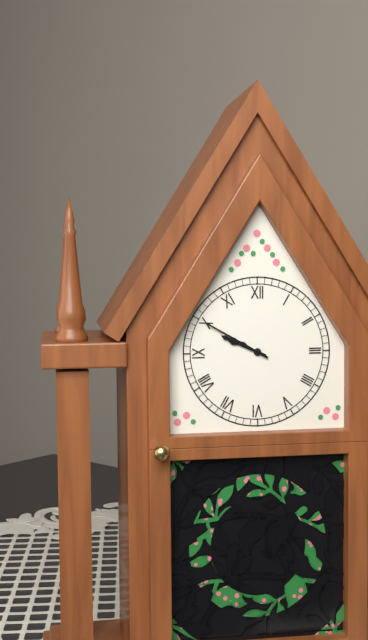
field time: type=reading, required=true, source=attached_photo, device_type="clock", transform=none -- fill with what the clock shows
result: 9:50
